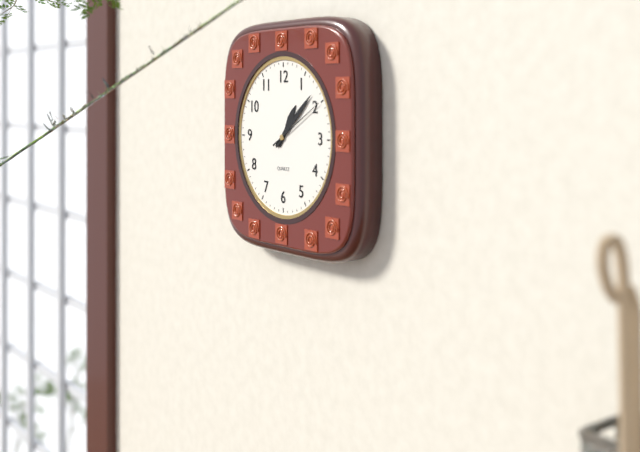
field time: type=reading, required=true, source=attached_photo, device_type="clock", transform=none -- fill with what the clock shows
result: 1:08:10
